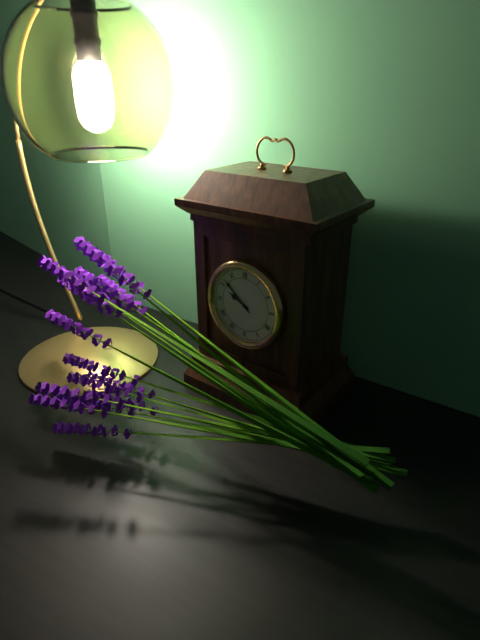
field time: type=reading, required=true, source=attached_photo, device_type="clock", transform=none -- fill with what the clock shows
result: 9:52
